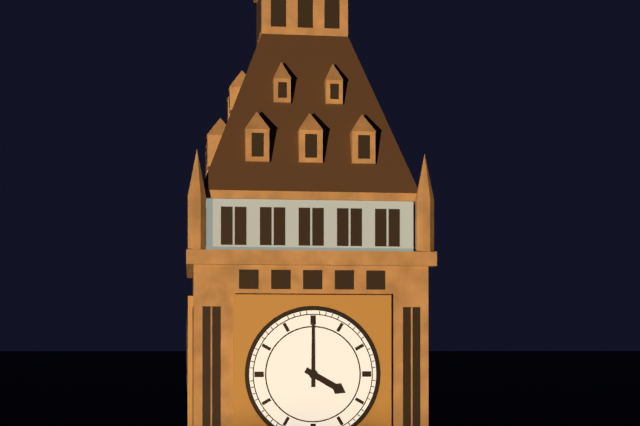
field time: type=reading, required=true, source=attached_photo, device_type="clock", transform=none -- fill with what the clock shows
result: 4:00
